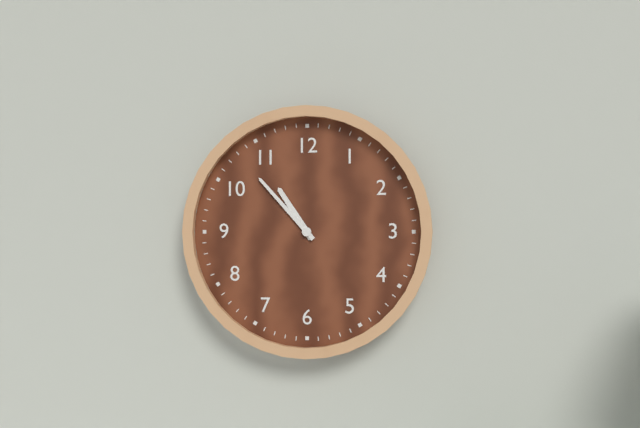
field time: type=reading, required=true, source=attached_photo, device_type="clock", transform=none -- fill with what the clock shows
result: 10:53
